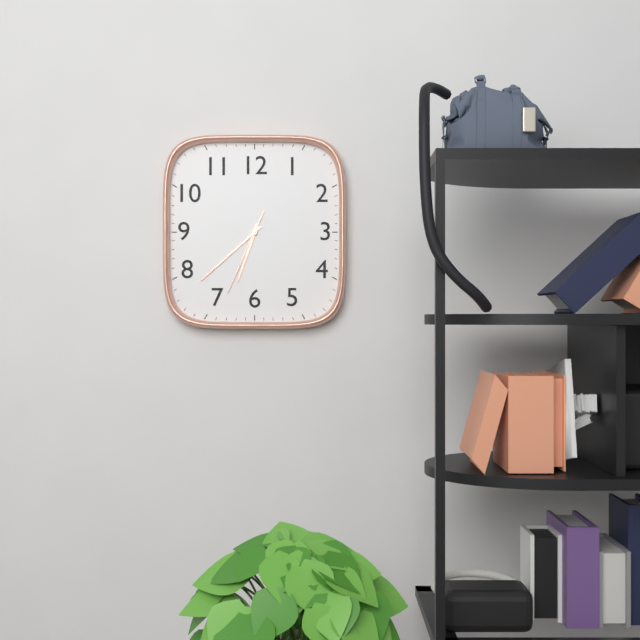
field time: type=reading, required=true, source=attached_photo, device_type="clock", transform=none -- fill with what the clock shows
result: 6:38:34
